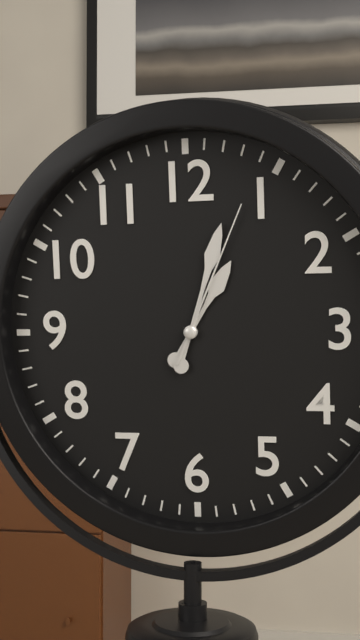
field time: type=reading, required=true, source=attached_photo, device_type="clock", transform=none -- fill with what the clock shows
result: 1:03:04
